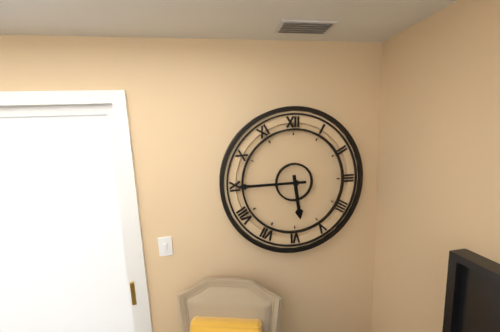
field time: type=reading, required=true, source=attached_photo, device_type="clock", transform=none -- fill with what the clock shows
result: 5:45
